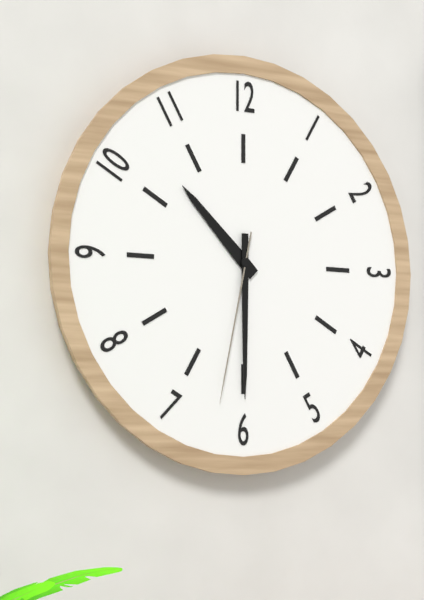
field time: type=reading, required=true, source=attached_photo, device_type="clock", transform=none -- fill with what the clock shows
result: 10:30:32
